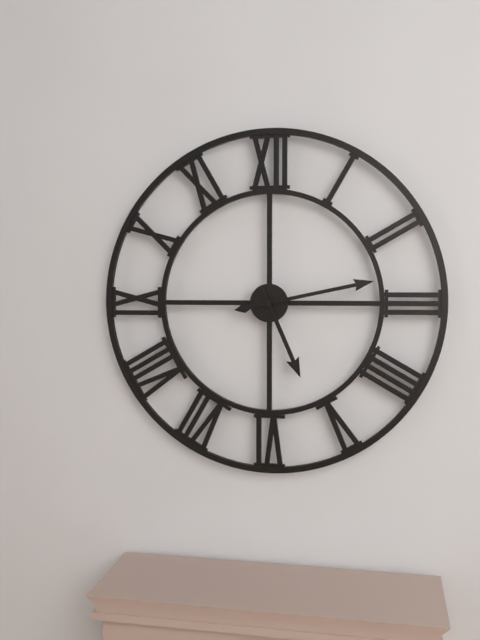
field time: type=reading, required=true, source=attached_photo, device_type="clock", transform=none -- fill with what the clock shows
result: 5:13
